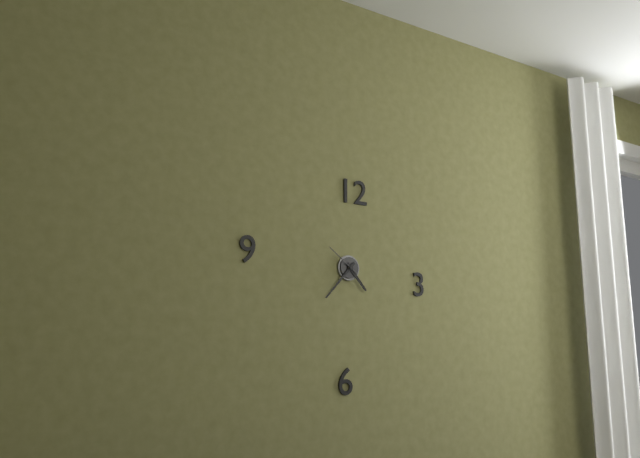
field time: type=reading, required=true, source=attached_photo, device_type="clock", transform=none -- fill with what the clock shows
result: 4:37
